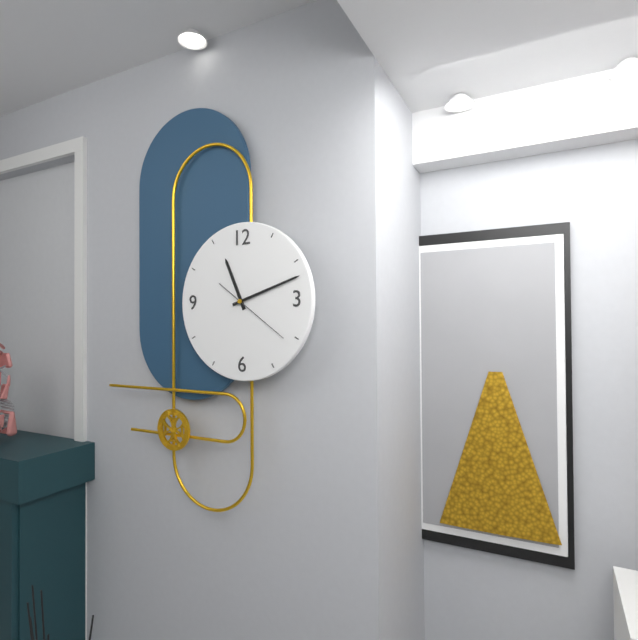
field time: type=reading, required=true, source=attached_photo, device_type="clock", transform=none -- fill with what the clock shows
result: 11:12:21
